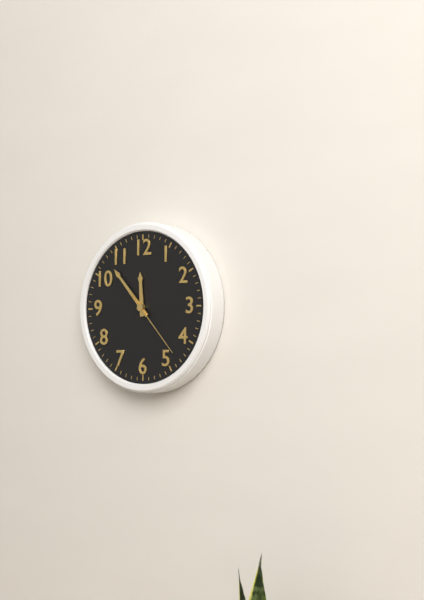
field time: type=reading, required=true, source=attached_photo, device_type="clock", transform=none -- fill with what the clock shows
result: 11:53:23
